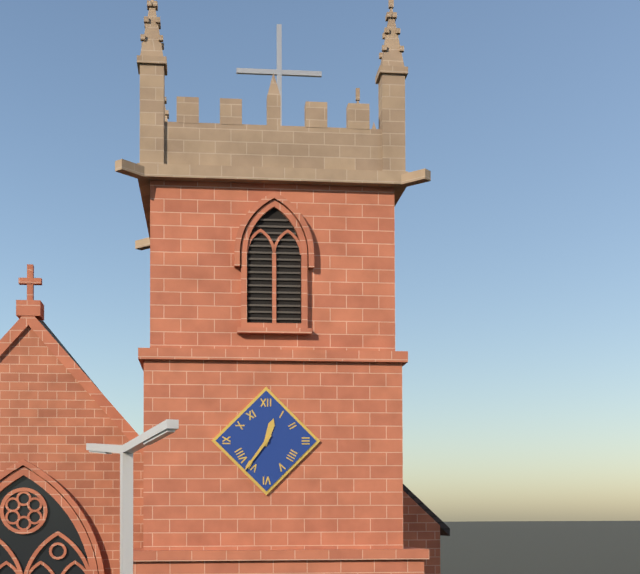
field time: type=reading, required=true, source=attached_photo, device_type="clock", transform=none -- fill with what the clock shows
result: 12:36
